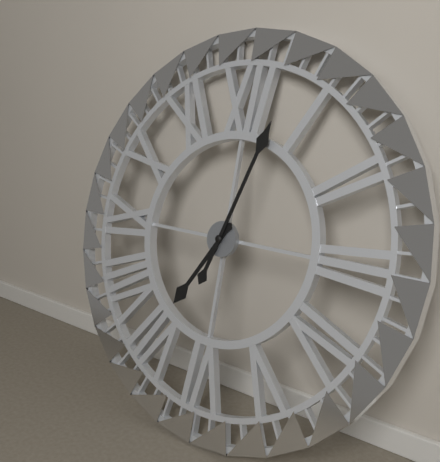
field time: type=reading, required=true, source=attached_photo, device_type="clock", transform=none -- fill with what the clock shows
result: 7:03
